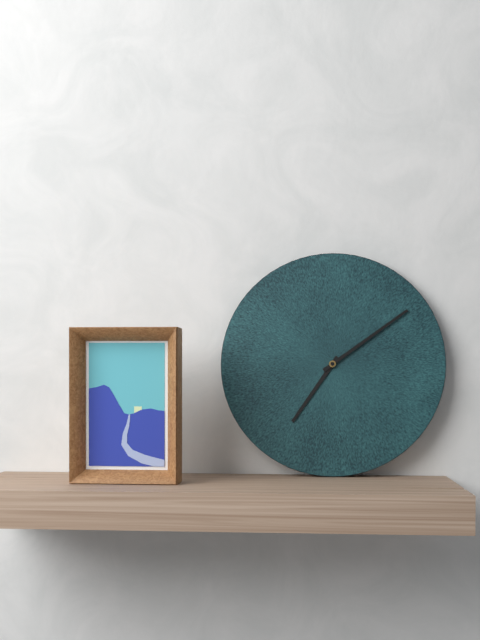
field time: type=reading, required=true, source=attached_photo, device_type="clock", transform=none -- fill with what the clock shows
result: 7:09
